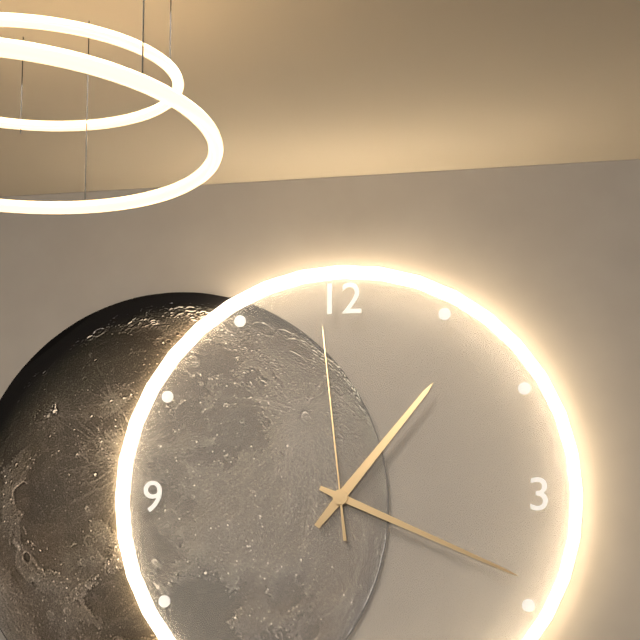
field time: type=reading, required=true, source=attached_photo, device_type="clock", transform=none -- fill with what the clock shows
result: 1:19:59
